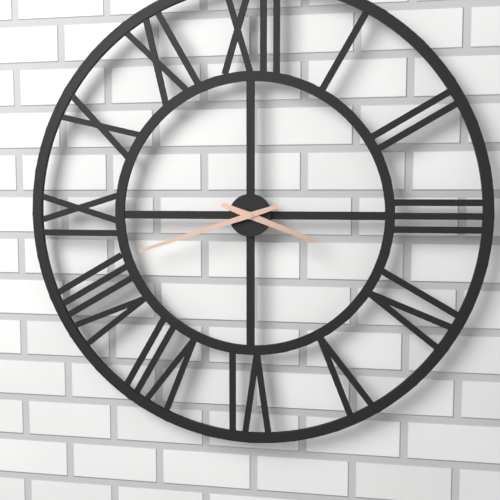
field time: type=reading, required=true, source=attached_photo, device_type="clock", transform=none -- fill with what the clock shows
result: 3:42
